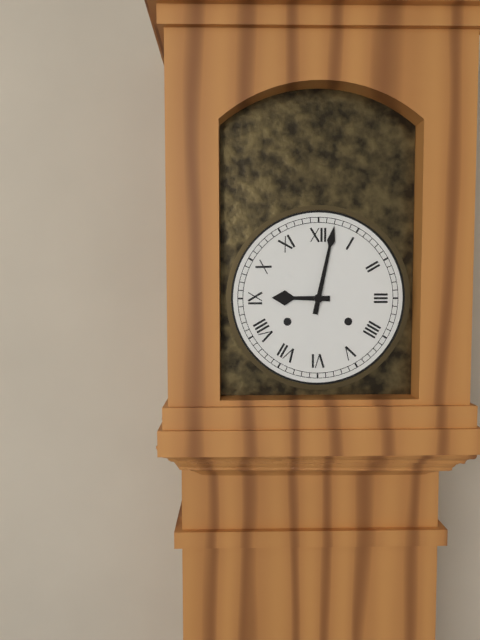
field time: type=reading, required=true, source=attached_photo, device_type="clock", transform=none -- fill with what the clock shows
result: 9:02
